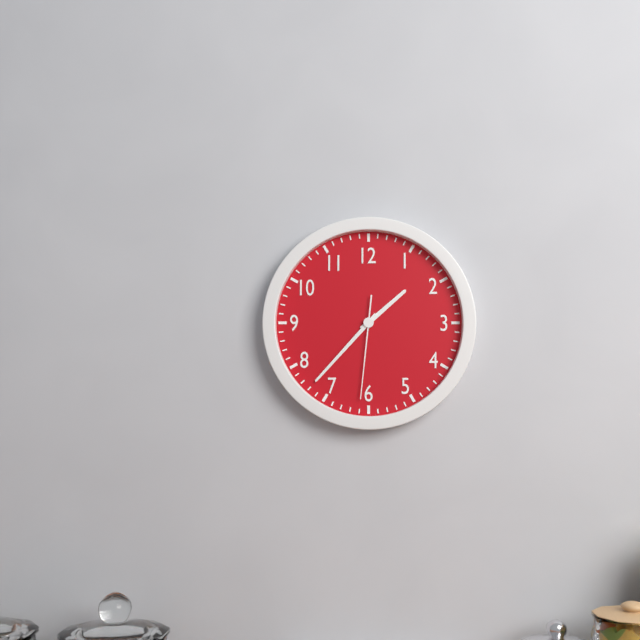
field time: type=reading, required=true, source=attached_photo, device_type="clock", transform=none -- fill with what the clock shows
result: 1:37:31
